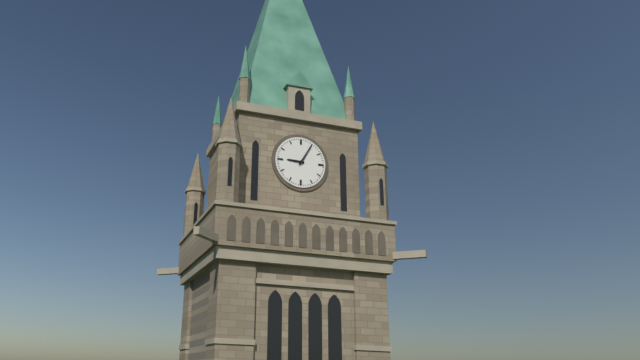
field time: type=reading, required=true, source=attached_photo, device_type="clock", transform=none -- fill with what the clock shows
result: 9:05
